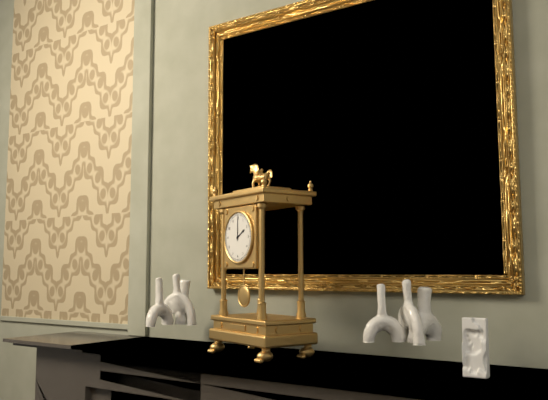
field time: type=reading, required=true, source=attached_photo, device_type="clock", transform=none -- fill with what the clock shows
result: 2:00
